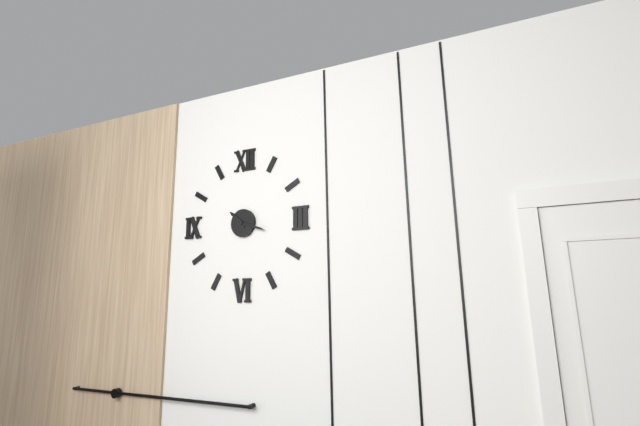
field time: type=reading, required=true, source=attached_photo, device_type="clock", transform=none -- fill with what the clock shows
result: 10:18
